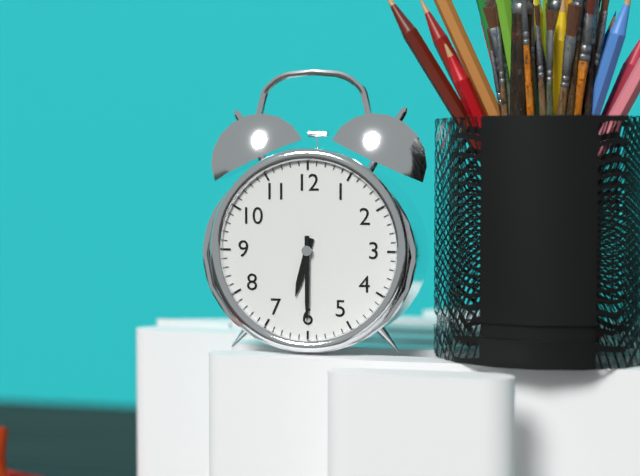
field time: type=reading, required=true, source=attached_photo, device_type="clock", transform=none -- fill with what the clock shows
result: 6:30
